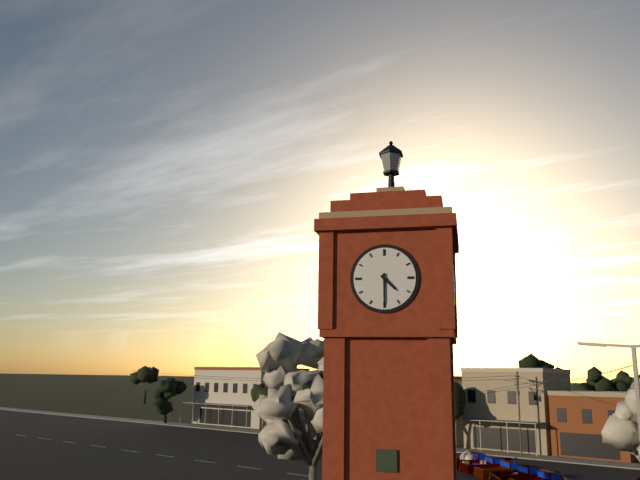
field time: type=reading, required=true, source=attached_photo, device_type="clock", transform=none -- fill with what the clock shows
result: 4:30
